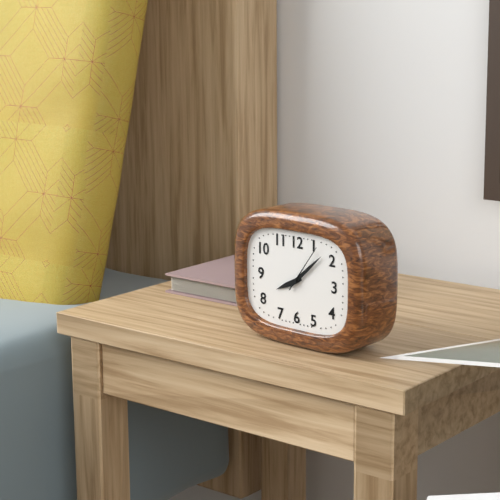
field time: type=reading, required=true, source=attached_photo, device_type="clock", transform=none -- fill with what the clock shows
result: 8:08:06
